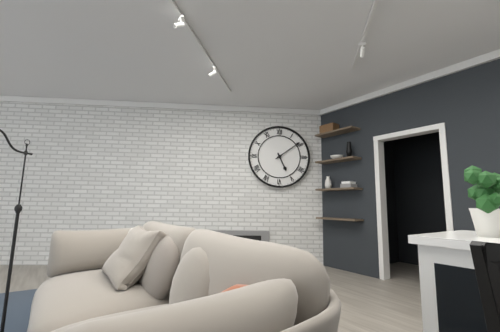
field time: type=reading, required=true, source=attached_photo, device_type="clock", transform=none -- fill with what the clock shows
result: 5:09
